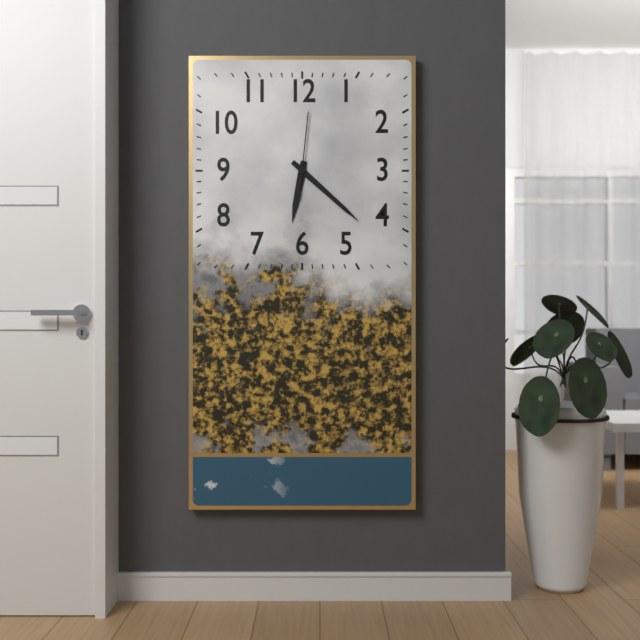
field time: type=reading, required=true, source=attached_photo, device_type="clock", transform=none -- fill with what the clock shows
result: 6:22:01
